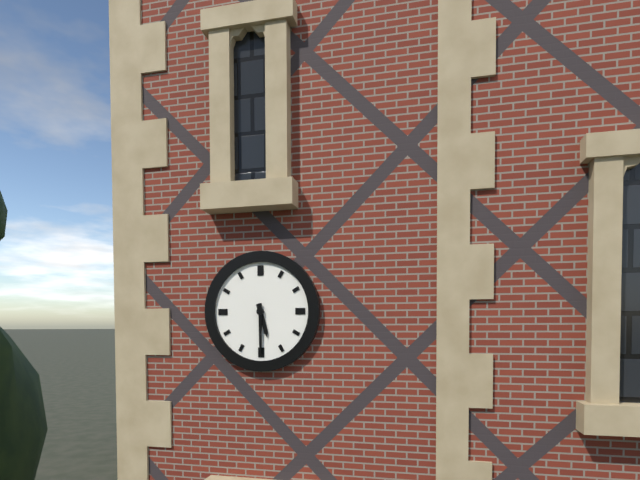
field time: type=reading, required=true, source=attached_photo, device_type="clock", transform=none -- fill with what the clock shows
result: 5:30
